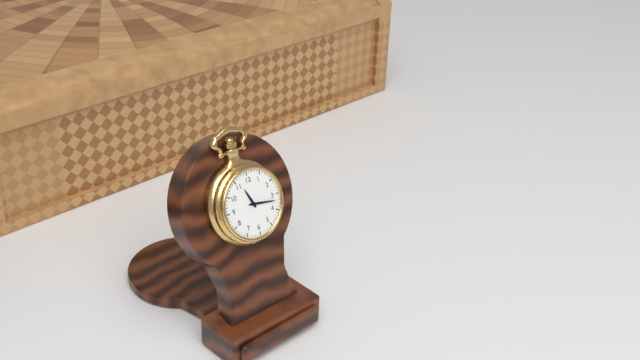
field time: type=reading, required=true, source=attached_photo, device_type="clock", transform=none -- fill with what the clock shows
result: 11:17
